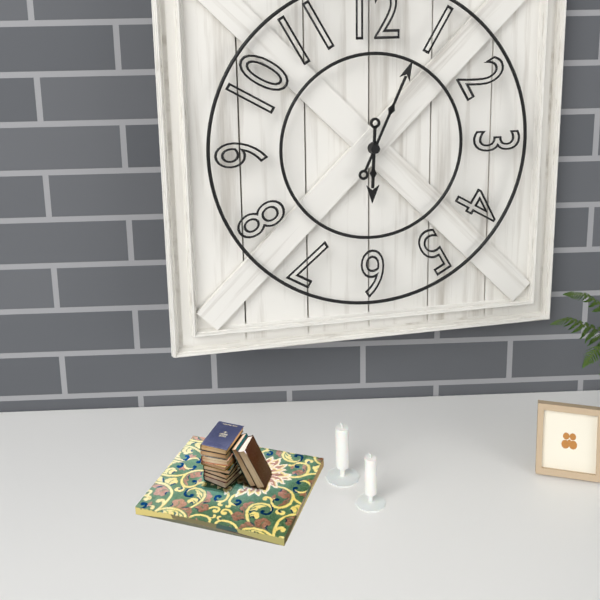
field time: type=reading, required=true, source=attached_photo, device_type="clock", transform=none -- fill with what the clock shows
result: 6:04
